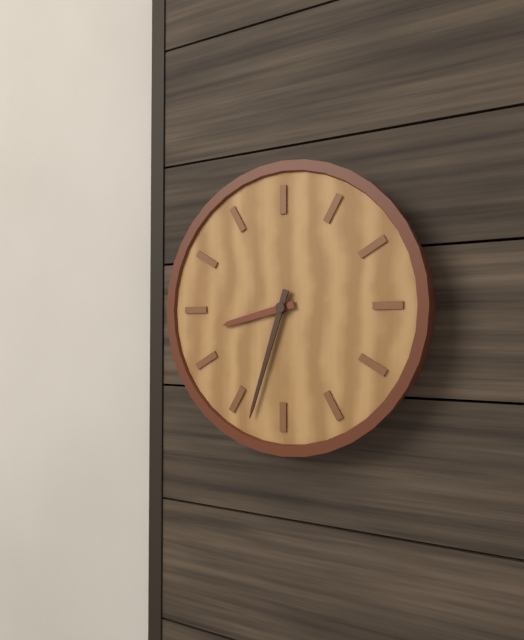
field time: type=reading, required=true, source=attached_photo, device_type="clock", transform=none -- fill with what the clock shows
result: 8:33
